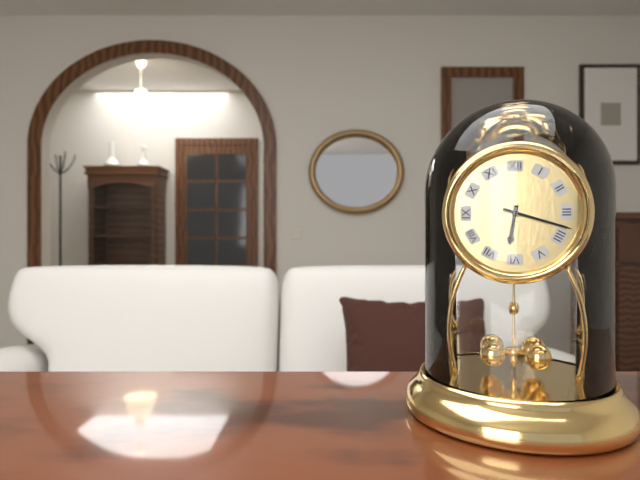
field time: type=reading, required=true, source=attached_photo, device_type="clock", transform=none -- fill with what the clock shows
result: 6:18
